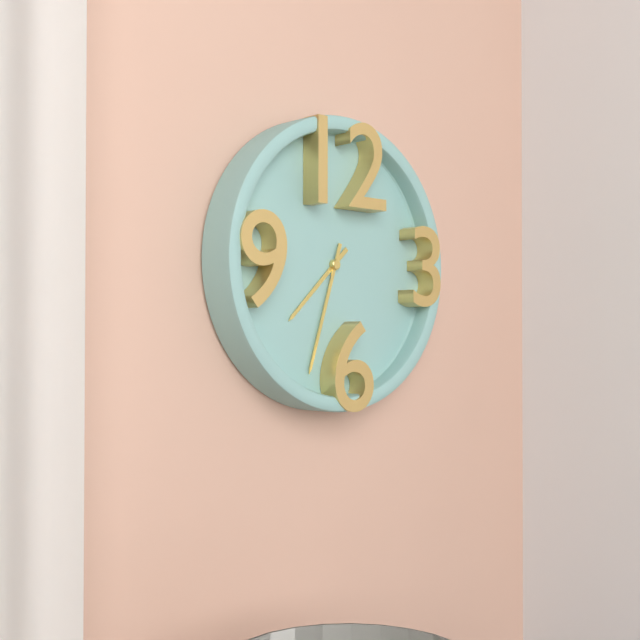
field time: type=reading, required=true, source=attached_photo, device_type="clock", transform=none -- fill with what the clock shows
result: 7:33
